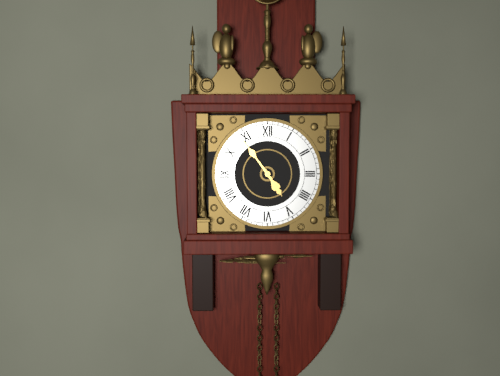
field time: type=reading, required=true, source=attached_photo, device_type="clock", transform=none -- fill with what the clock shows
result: 4:54
